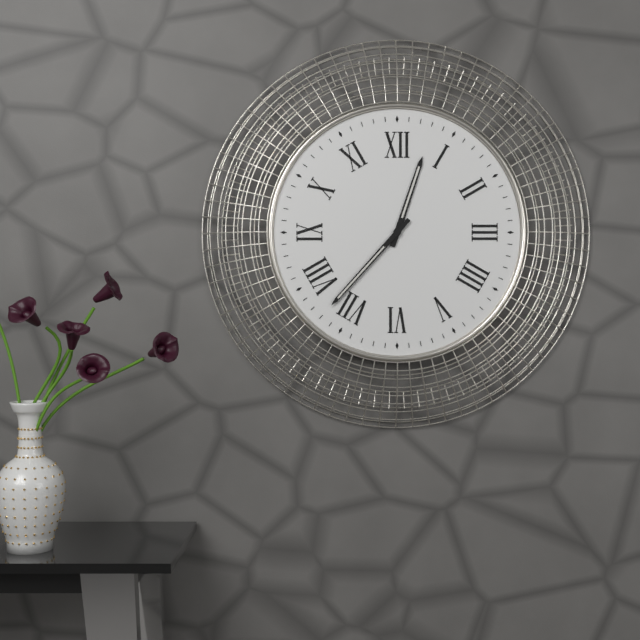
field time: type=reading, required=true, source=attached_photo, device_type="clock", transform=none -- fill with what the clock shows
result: 12:37
